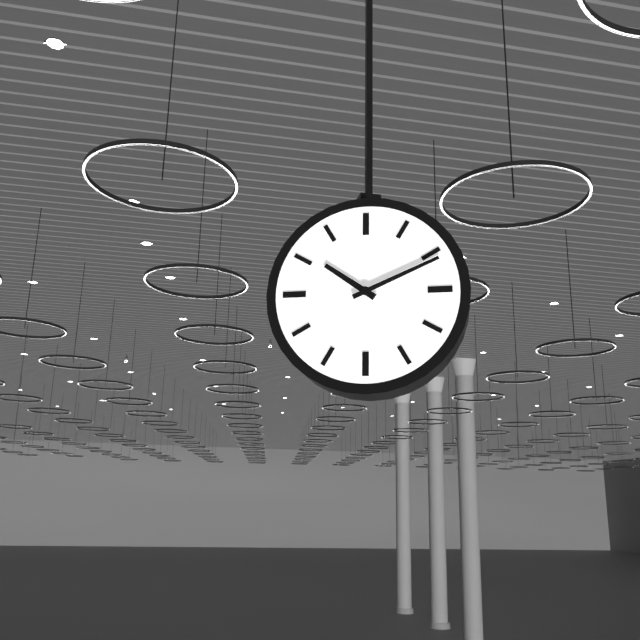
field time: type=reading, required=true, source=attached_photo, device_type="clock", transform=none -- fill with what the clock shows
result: 10:11
